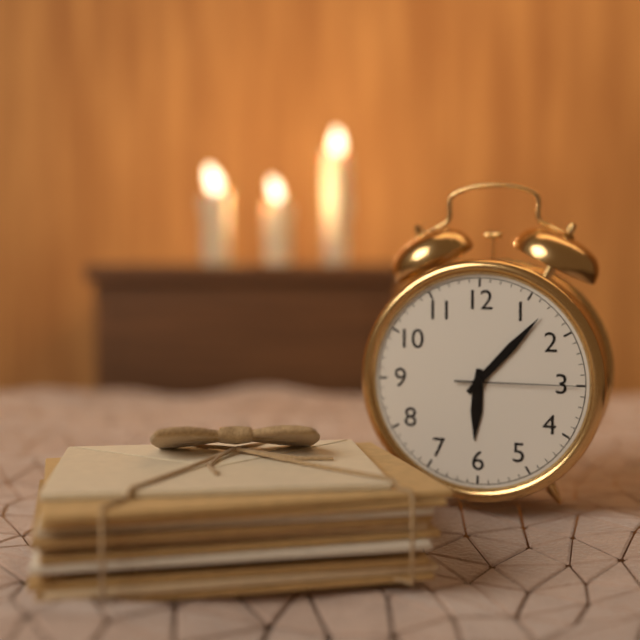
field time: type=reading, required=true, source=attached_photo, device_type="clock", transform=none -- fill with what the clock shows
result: 6:07:15
